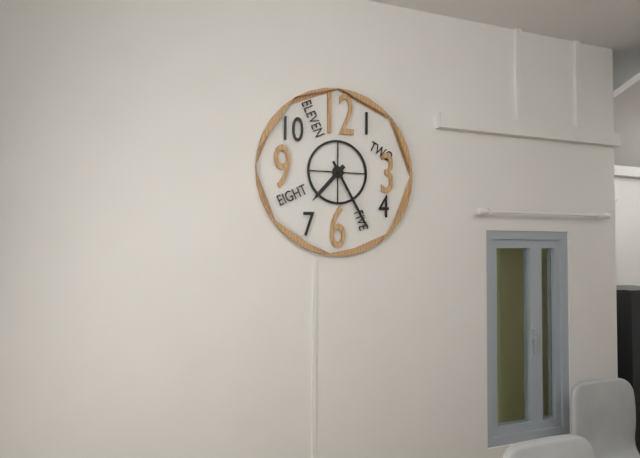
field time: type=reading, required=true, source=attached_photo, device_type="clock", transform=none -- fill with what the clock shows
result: 7:25
